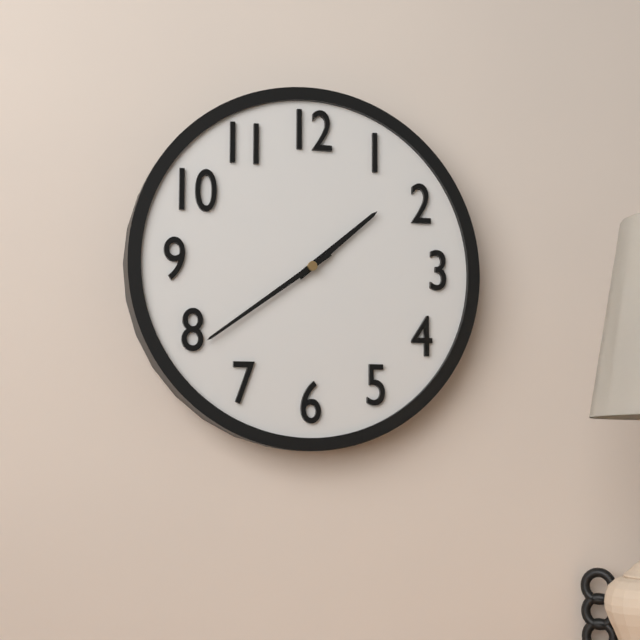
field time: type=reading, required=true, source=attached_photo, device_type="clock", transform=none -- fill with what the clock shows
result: 1:39
